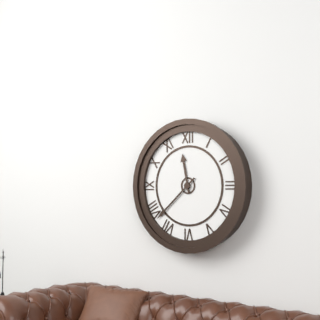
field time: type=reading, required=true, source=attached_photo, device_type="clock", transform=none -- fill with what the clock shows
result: 11:38
